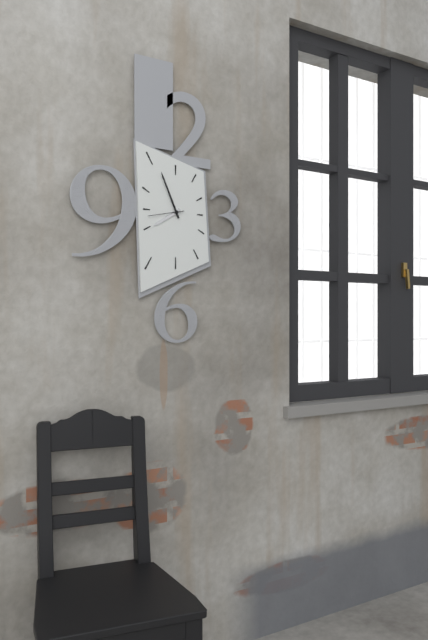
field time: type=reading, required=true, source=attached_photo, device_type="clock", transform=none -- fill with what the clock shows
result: 7:56
